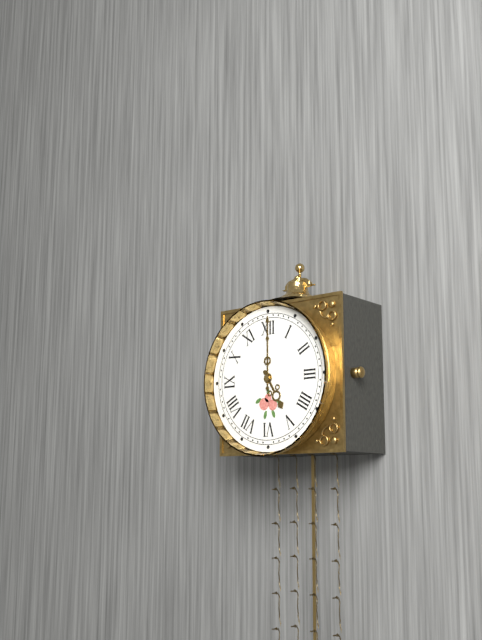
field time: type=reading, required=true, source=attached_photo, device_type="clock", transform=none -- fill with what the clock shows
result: 5:00
